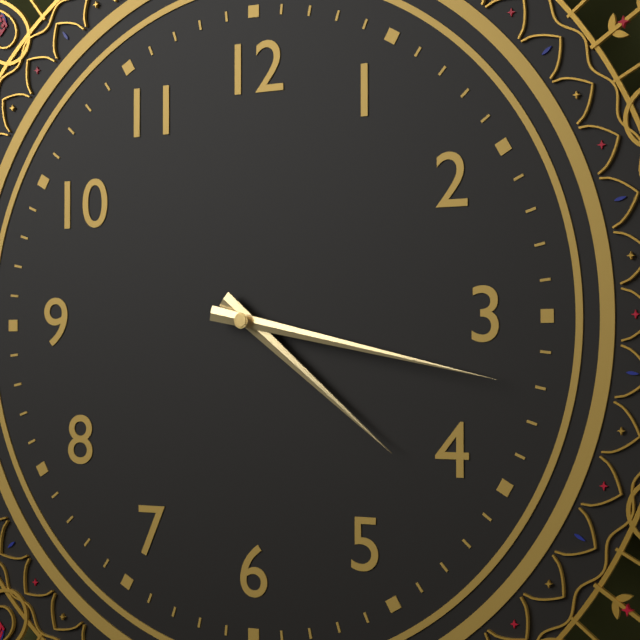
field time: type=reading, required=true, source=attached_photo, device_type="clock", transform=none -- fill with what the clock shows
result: 4:17
